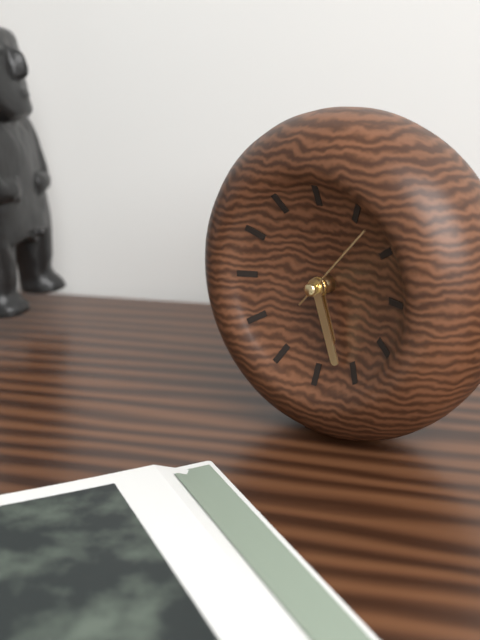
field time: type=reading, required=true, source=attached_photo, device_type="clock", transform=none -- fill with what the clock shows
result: 5:27:07
